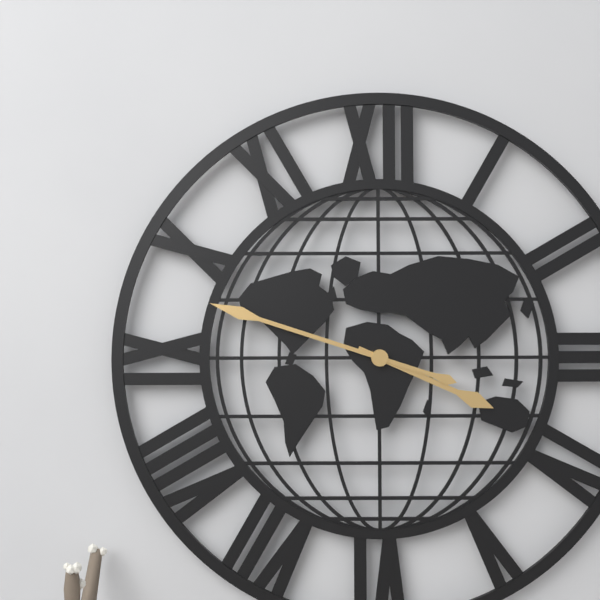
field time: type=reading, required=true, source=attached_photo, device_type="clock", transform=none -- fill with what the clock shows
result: 3:48
